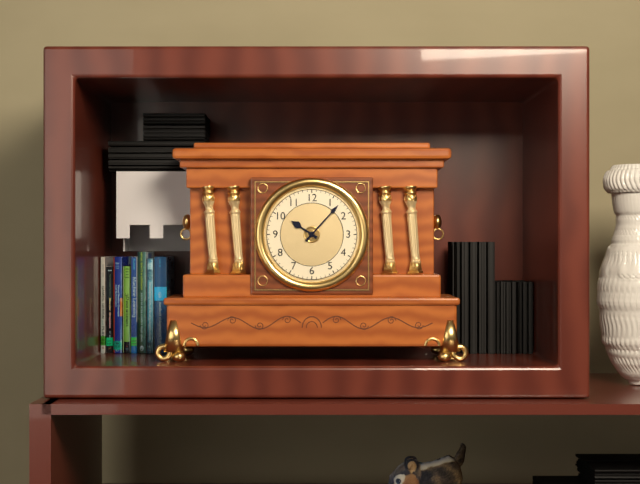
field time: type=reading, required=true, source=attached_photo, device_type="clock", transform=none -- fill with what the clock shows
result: 10:07
